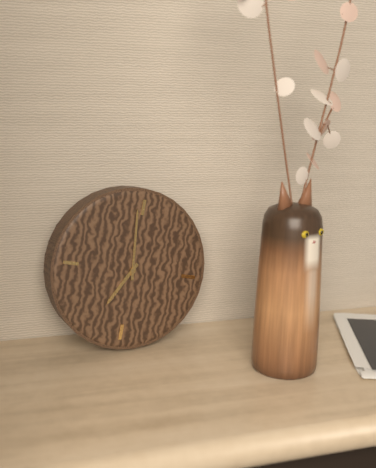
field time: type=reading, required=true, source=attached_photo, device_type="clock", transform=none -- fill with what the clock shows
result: 6:59
